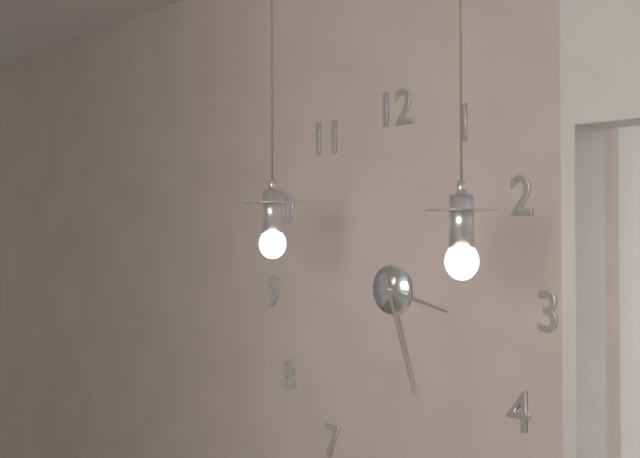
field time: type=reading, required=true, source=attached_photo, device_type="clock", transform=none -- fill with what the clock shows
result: 3:27
